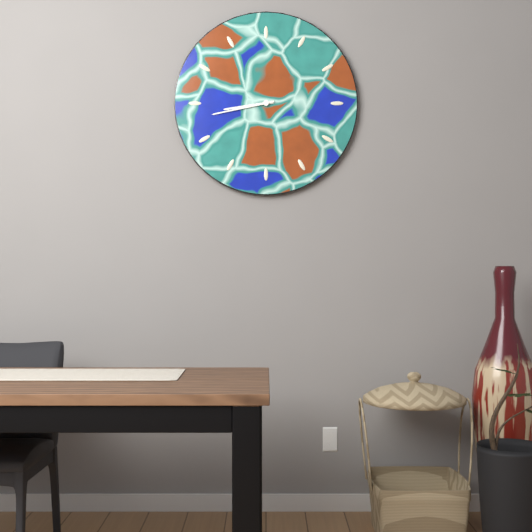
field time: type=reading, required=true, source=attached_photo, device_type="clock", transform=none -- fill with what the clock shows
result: 8:43
